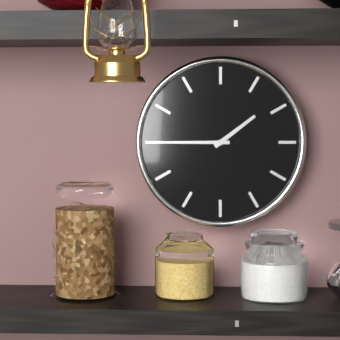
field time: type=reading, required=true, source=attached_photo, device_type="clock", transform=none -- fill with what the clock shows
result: 1:45
